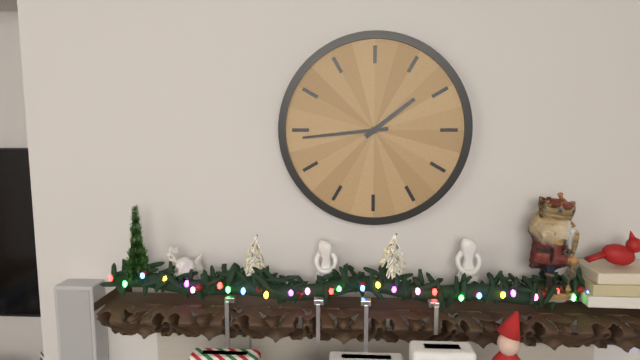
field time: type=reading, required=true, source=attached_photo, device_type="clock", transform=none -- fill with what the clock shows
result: 1:44
